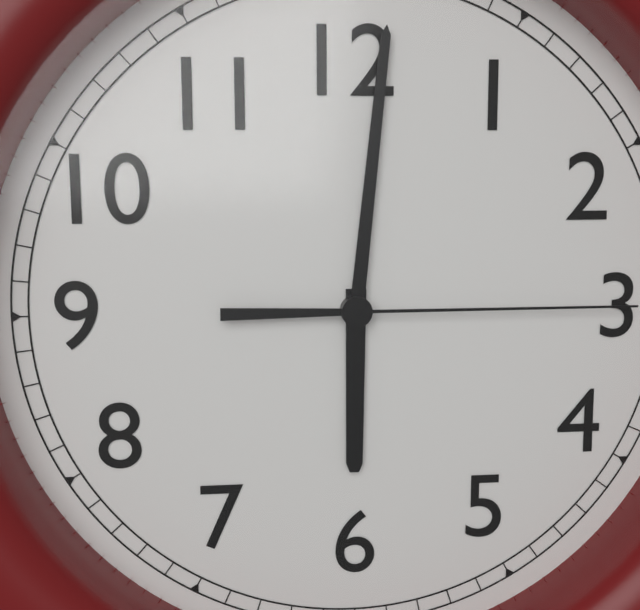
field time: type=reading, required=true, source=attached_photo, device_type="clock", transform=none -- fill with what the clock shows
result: 6:01:15
